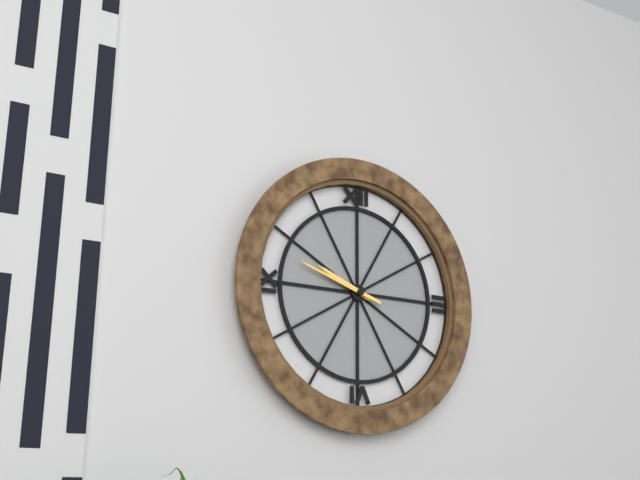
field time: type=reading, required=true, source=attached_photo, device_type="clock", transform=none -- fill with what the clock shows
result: 9:48
